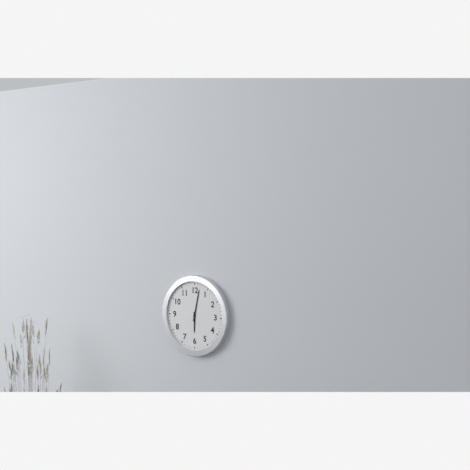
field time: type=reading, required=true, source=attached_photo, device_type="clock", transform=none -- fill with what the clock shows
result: 6:02
